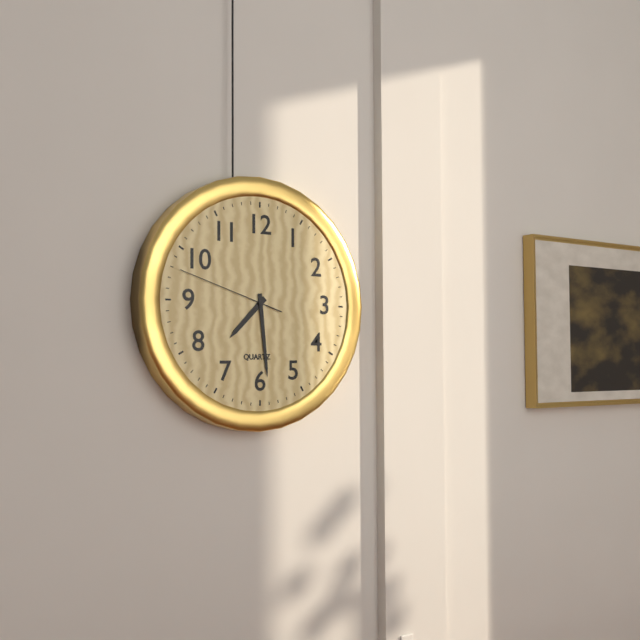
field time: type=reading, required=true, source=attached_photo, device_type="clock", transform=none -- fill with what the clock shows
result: 7:29:48
